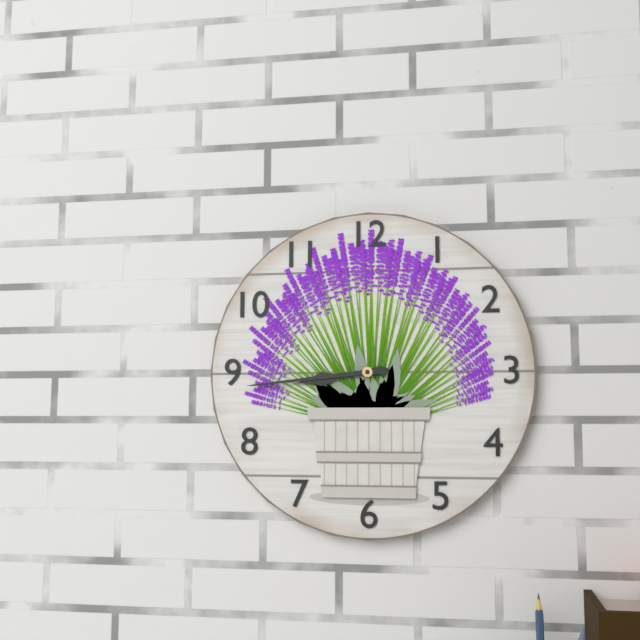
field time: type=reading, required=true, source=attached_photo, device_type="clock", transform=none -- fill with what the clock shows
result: 8:44
